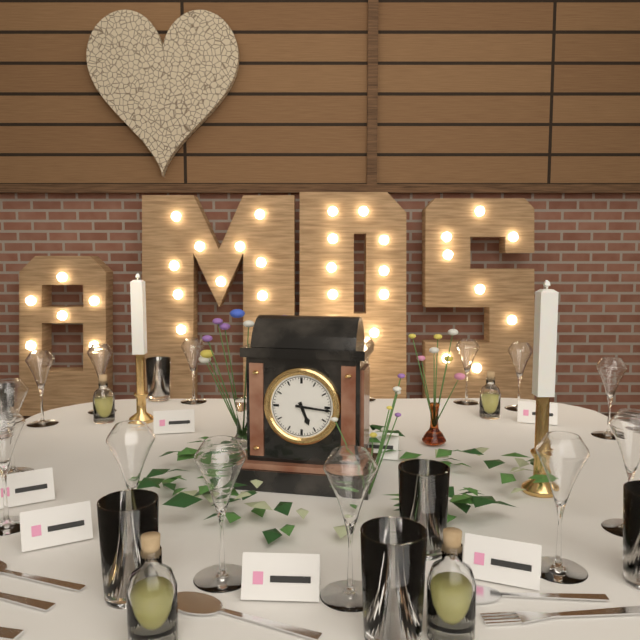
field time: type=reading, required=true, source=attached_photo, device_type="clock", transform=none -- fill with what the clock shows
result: 5:16
